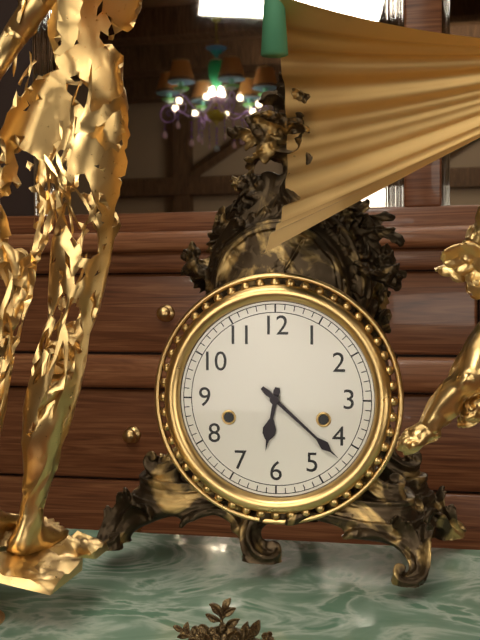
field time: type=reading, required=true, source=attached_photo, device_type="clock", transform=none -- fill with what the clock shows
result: 6:22
